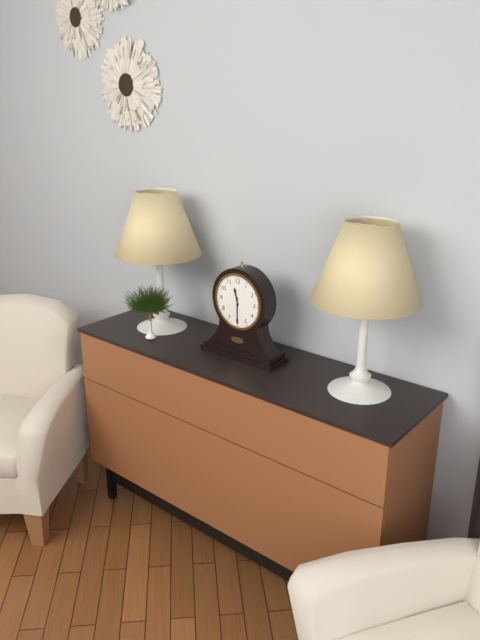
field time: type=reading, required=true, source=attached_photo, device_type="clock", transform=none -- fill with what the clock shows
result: 11:30
